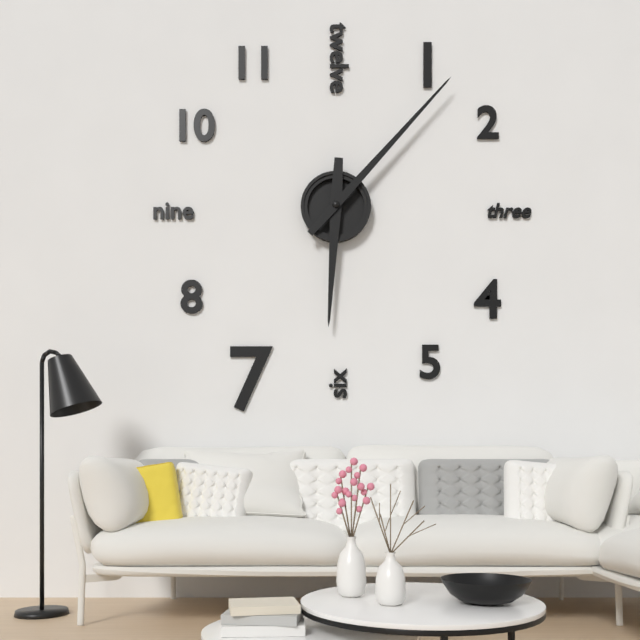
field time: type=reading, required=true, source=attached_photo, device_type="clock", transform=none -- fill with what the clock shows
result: 6:07
